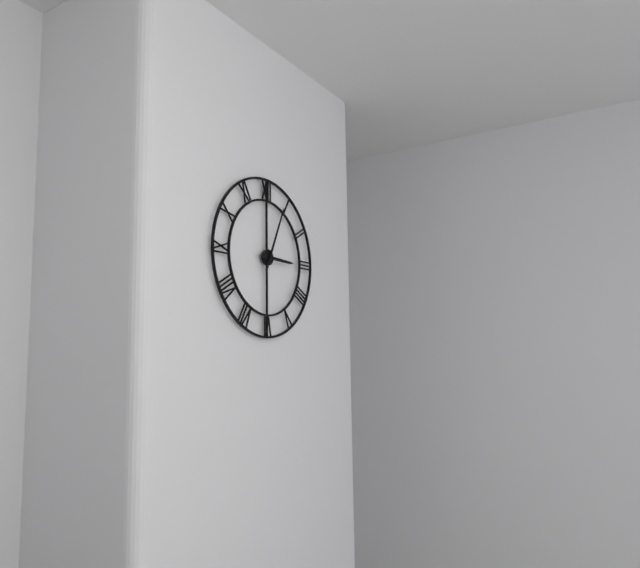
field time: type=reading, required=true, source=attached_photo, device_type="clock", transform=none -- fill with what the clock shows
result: 3:04
